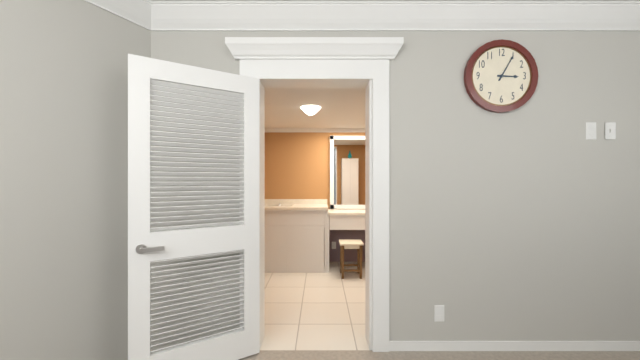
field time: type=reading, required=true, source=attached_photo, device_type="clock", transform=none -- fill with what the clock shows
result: 3:05
